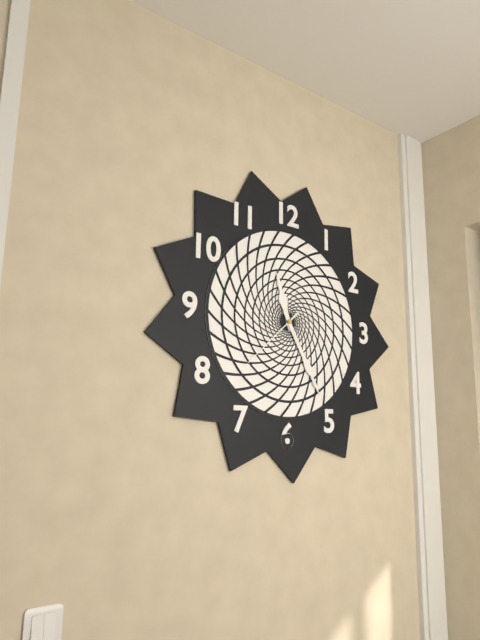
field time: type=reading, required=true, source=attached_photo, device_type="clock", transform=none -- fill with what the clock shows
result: 11:25:38
